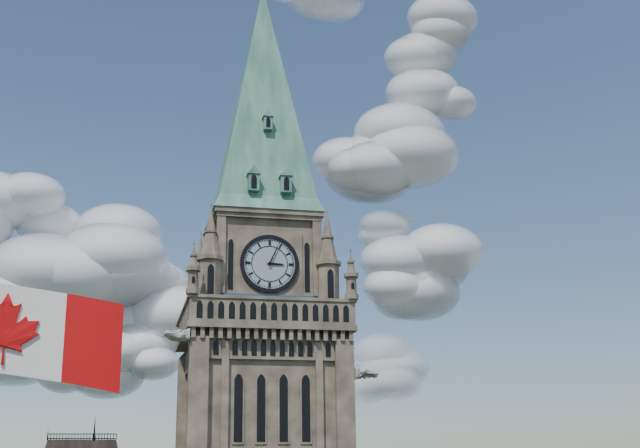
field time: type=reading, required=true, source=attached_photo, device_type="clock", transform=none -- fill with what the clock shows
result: 3:04
